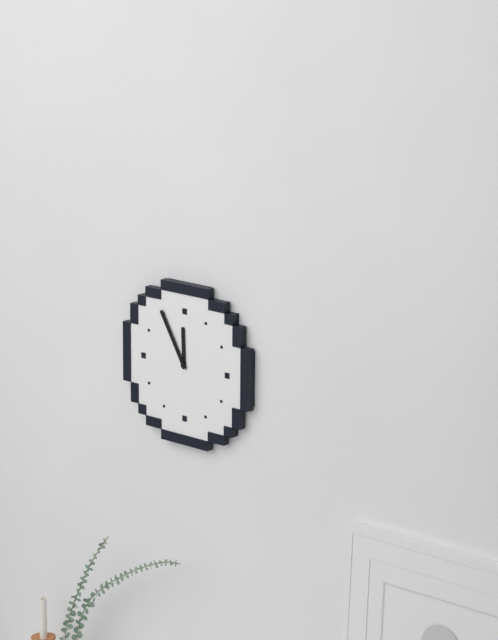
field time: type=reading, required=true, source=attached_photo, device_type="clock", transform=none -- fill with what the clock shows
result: 11:55
